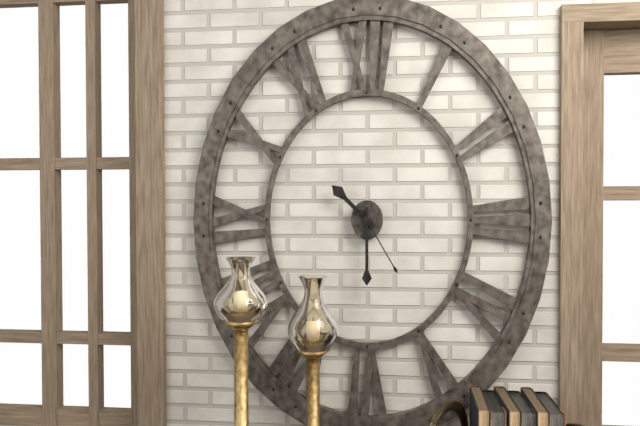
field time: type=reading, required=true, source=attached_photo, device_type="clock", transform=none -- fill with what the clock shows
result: 10:30:25
